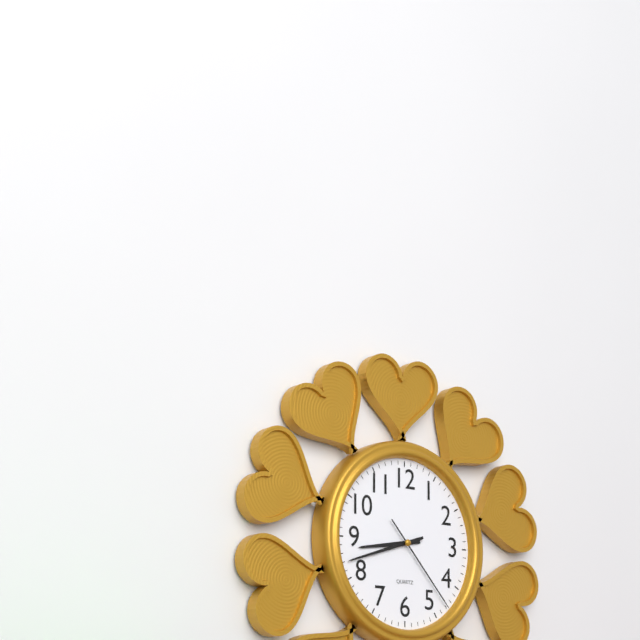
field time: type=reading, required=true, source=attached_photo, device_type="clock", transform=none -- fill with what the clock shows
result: 8:42:23
